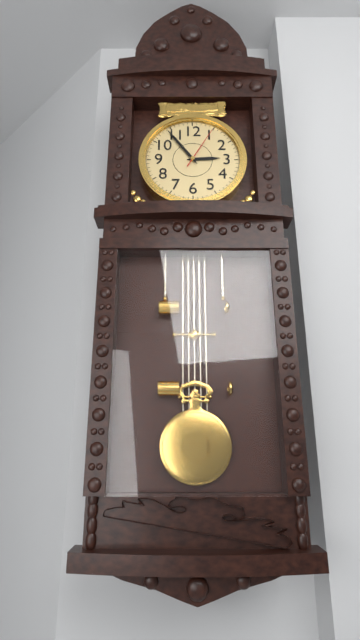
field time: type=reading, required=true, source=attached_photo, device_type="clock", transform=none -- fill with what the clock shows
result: 2:54
